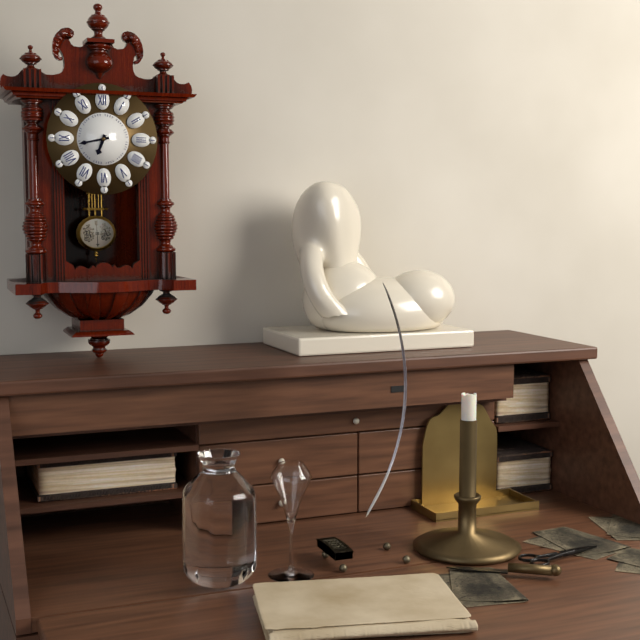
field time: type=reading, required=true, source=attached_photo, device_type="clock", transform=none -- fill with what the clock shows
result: 6:43
